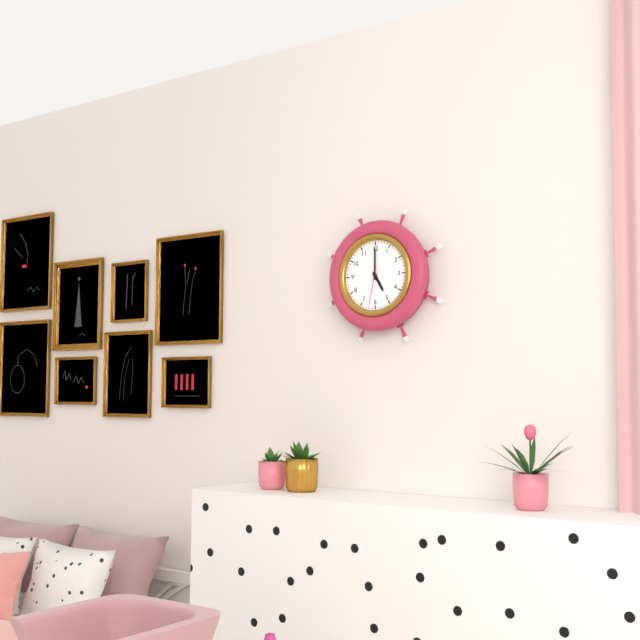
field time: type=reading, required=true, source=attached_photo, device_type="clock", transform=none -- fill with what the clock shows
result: 5:00
